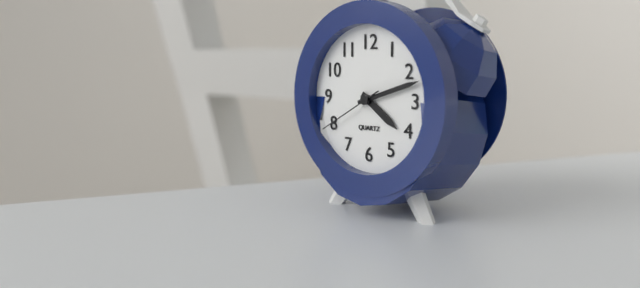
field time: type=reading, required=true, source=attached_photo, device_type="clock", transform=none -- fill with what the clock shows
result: 4:12:40
